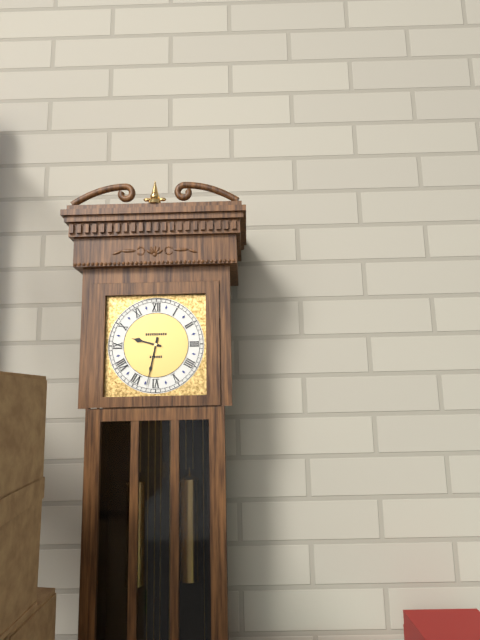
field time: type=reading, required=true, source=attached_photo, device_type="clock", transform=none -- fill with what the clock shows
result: 9:32
